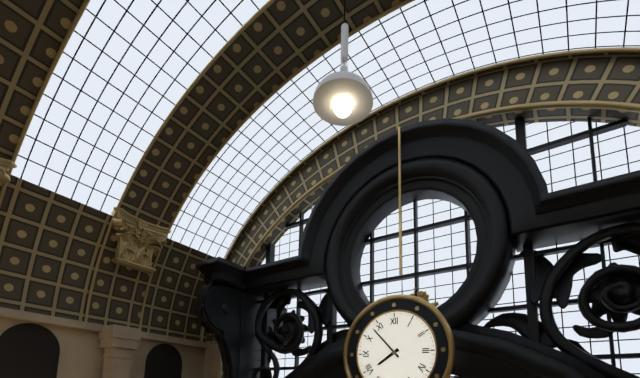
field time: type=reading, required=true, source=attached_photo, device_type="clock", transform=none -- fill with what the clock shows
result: 7:53
